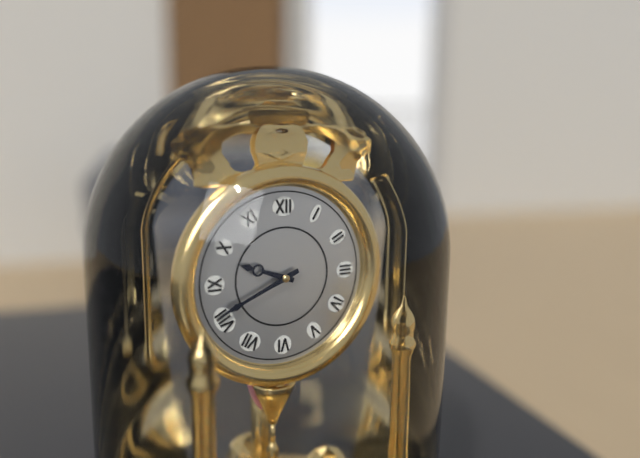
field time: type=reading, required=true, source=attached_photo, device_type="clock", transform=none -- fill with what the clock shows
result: 9:41
